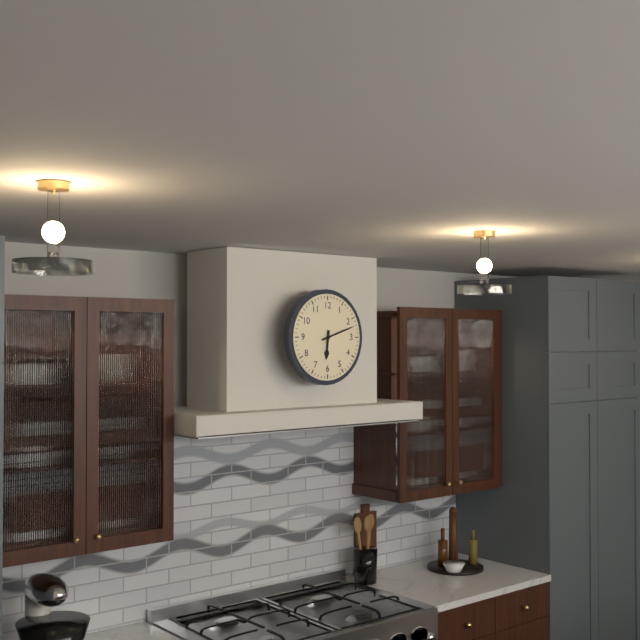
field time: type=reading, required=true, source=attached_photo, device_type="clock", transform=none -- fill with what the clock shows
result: 6:12
